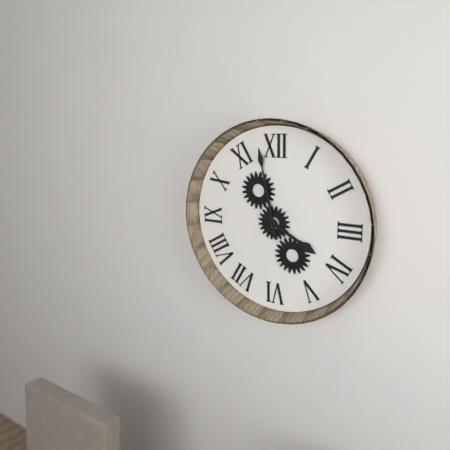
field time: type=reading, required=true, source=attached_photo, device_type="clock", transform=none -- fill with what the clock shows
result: 3:58
